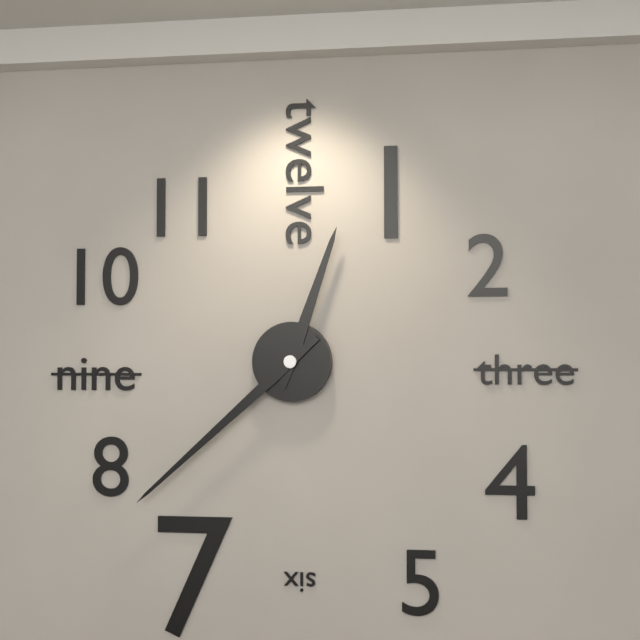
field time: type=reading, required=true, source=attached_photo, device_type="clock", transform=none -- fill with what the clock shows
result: 12:38
